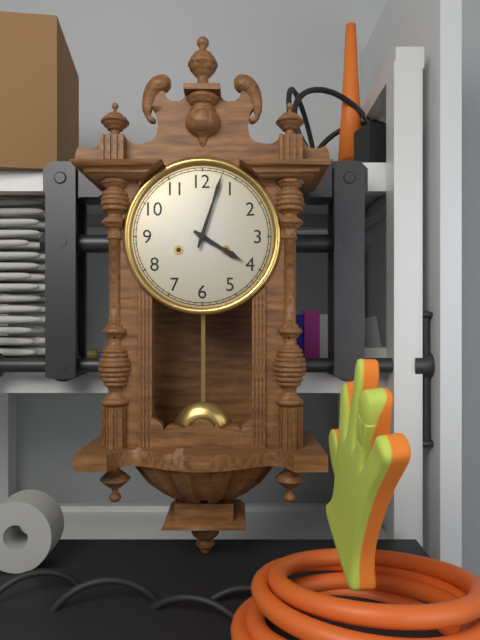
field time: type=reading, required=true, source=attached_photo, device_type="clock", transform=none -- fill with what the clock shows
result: 4:03
